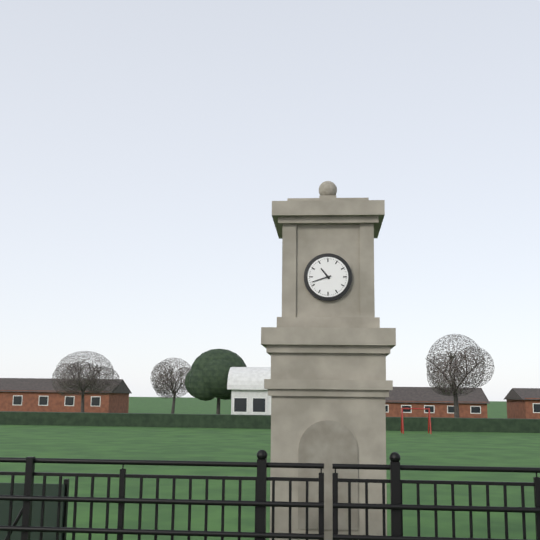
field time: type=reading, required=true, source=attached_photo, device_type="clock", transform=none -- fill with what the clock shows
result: 10:42
